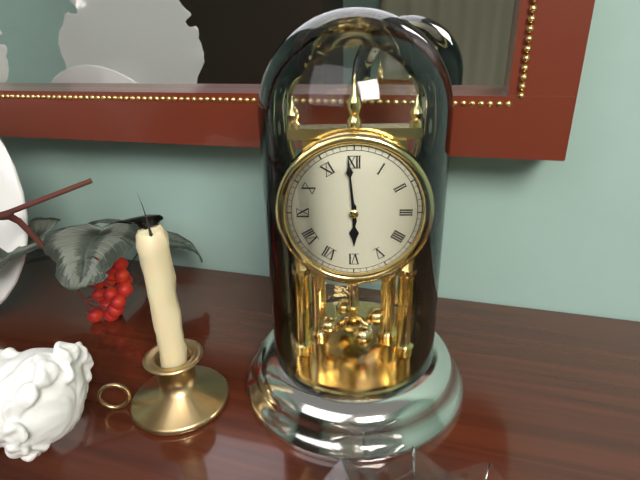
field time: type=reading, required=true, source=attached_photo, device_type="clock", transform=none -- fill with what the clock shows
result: 5:59
